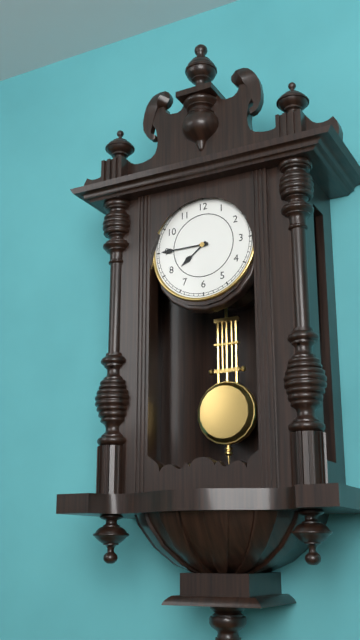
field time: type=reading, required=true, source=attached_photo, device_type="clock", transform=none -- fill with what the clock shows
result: 7:45
